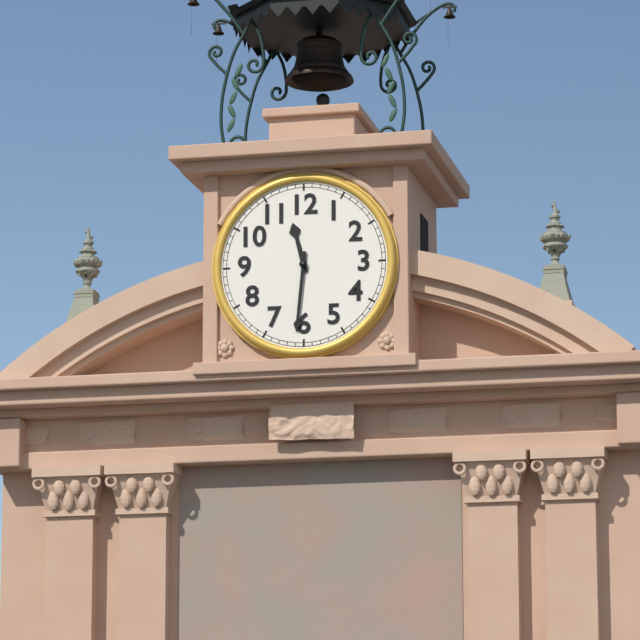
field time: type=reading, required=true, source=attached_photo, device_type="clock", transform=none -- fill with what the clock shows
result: 11:31
